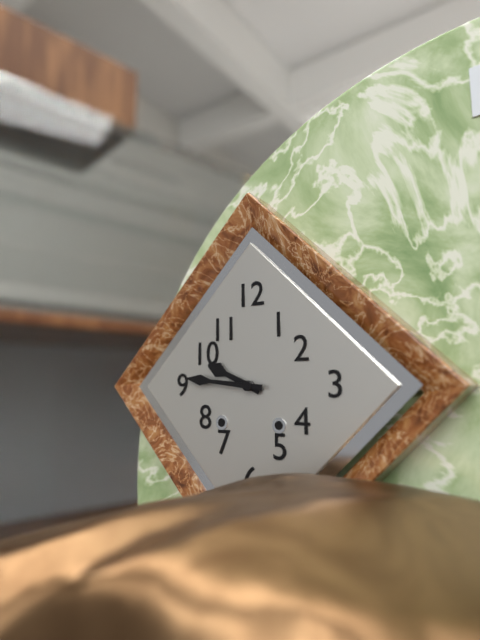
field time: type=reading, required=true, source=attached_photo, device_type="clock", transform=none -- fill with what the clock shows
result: 9:46
